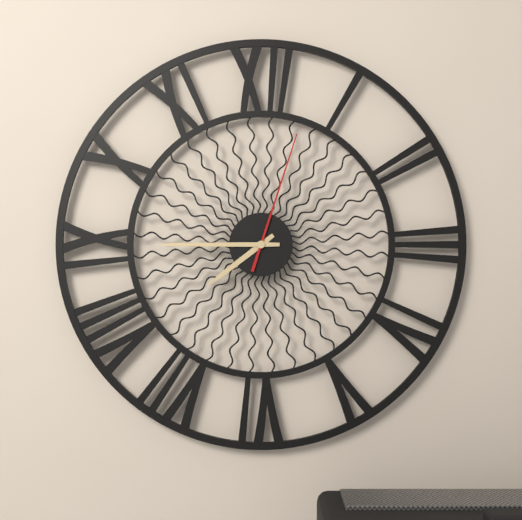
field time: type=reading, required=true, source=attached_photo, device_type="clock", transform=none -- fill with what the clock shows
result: 7:45:03
